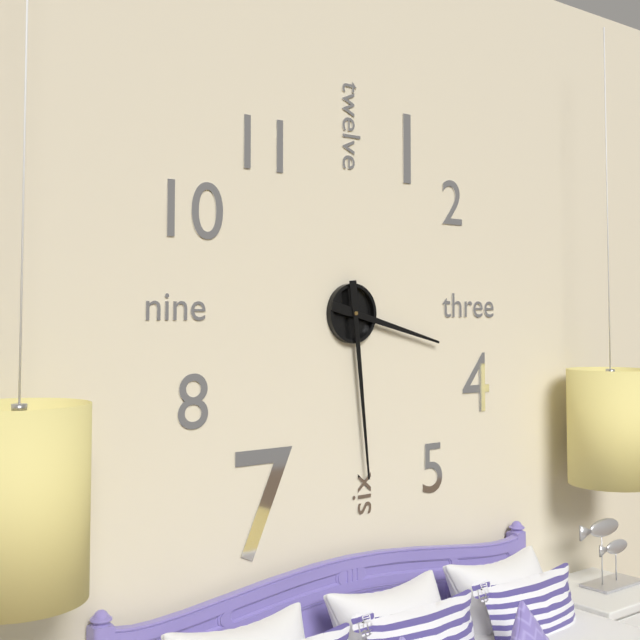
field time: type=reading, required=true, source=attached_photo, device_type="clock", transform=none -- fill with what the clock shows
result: 3:29
